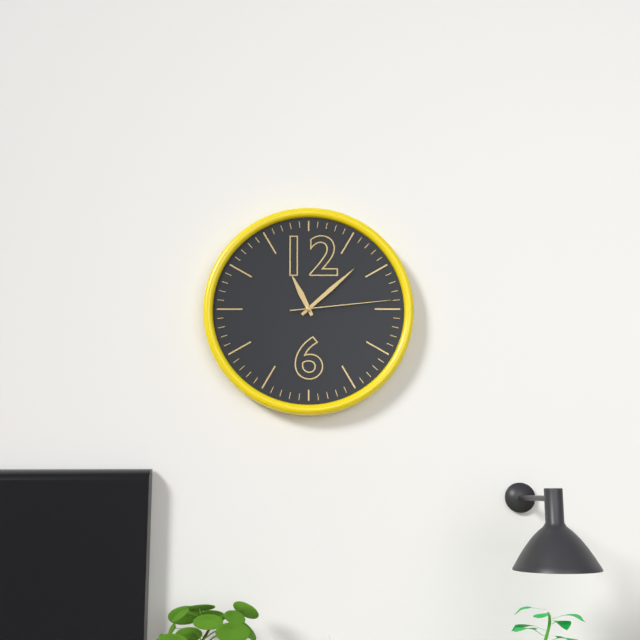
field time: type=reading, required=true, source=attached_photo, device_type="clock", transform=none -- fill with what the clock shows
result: 11:08:14
